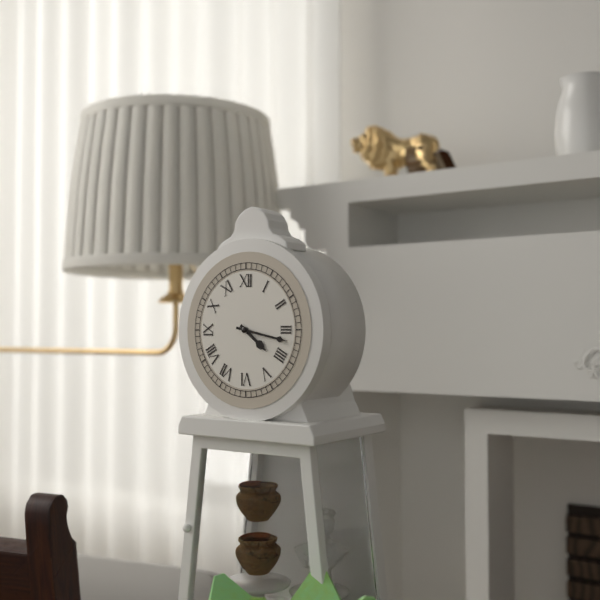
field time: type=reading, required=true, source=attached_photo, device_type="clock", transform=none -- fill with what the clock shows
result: 4:17
